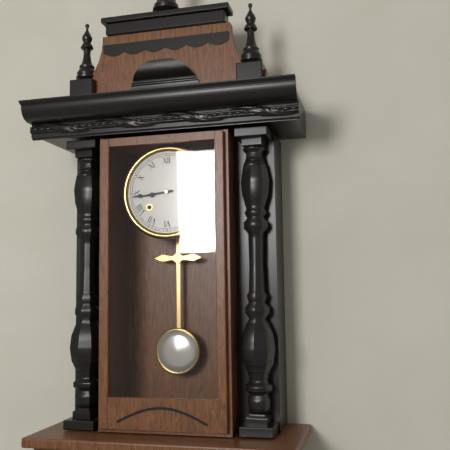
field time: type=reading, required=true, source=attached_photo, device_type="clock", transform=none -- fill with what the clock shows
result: 8:44
